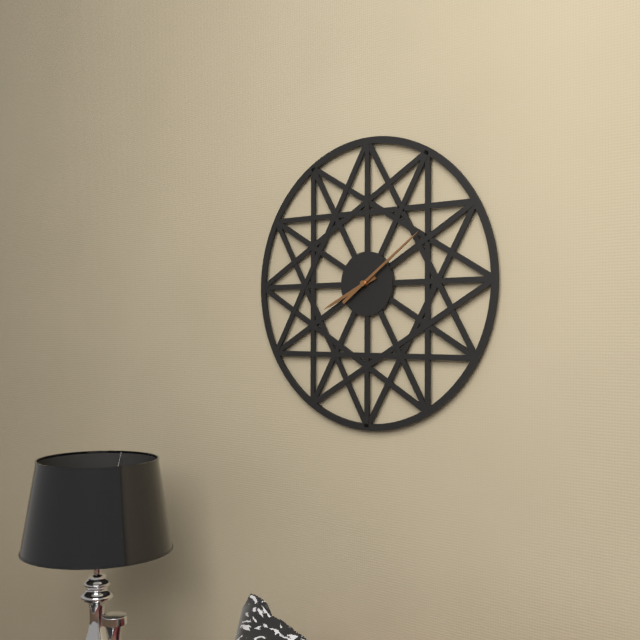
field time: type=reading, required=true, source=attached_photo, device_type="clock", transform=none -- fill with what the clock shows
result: 8:09
